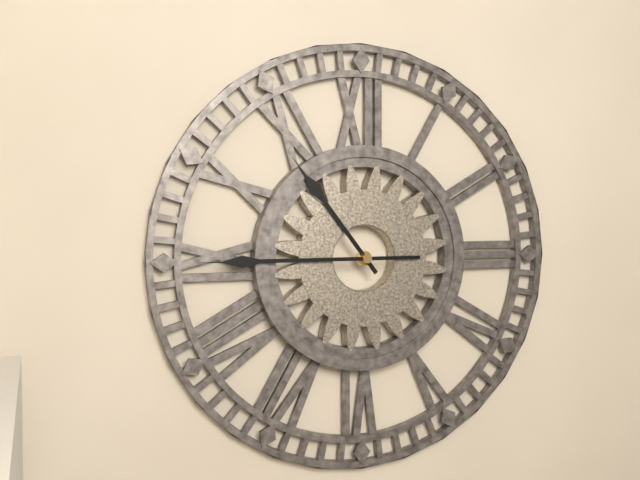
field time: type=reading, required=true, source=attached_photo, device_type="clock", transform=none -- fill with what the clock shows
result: 10:45
